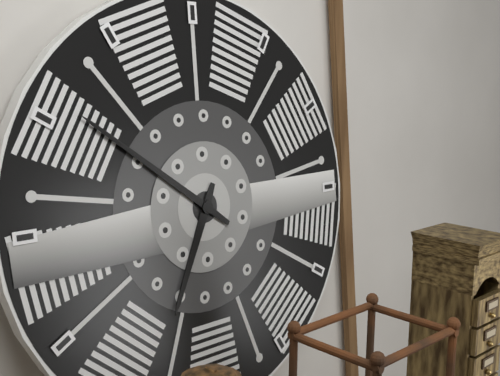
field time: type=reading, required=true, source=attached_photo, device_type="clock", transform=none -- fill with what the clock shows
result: 6:51
